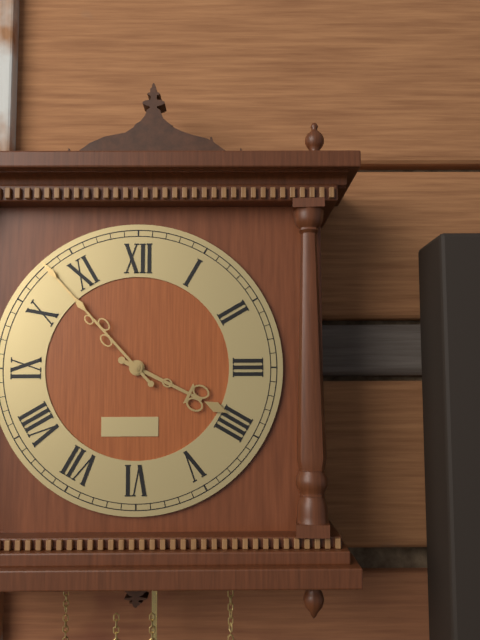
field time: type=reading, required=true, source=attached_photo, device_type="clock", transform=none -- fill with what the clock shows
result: 3:53
